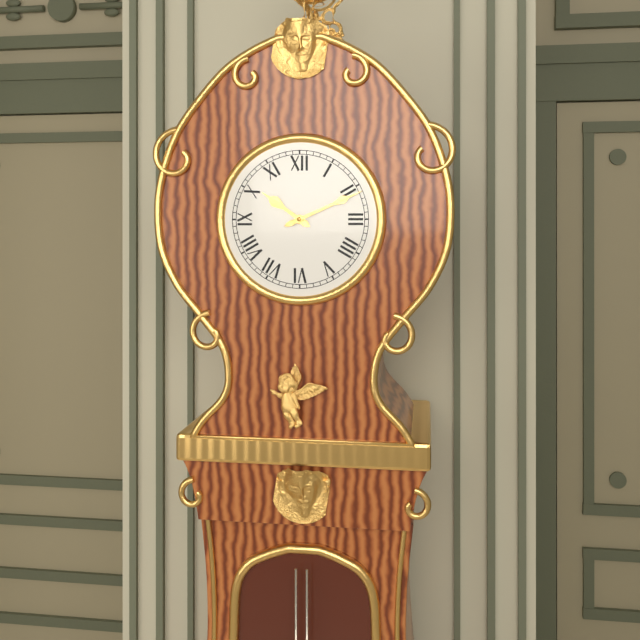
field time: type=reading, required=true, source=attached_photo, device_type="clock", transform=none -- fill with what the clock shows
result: 10:11
